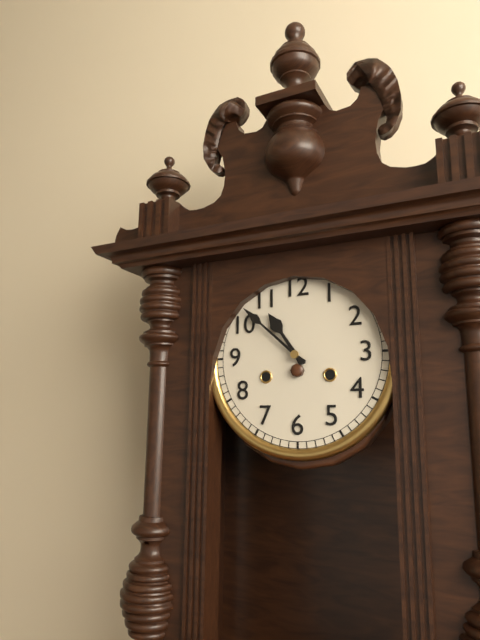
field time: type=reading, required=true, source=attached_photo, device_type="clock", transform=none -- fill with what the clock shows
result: 10:52
